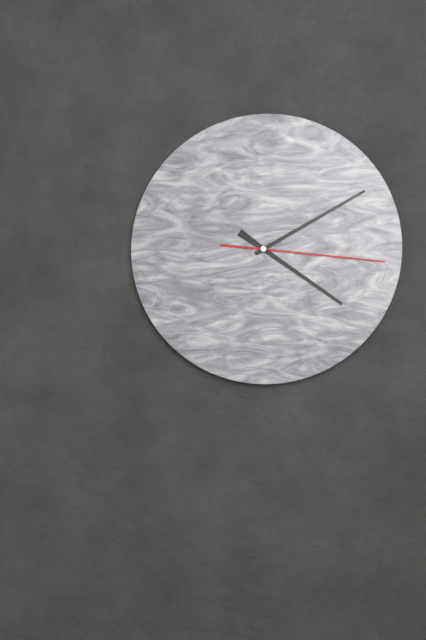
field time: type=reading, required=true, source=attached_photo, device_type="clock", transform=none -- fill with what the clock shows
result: 4:10:16
